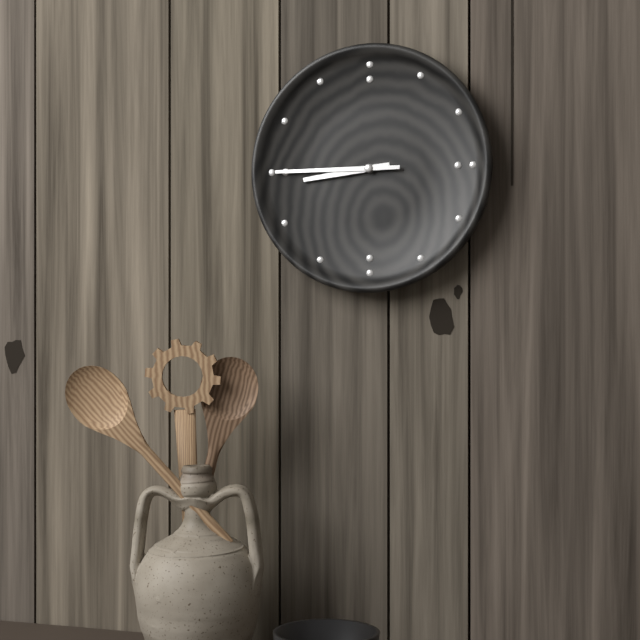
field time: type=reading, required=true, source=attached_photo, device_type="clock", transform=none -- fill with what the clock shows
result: 8:45
